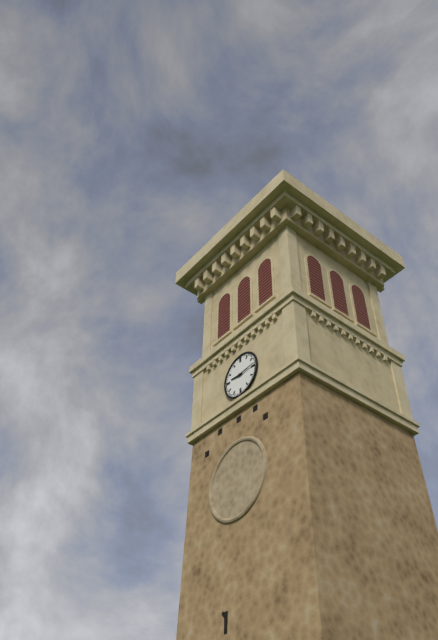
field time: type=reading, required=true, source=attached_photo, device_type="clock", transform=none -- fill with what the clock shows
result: 9:14
